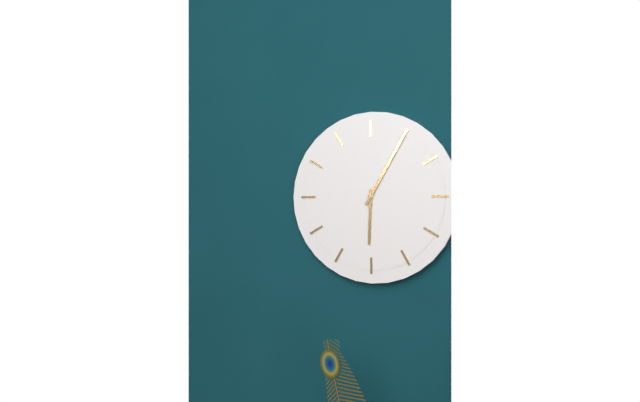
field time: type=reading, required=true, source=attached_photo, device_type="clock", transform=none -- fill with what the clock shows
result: 6:05
